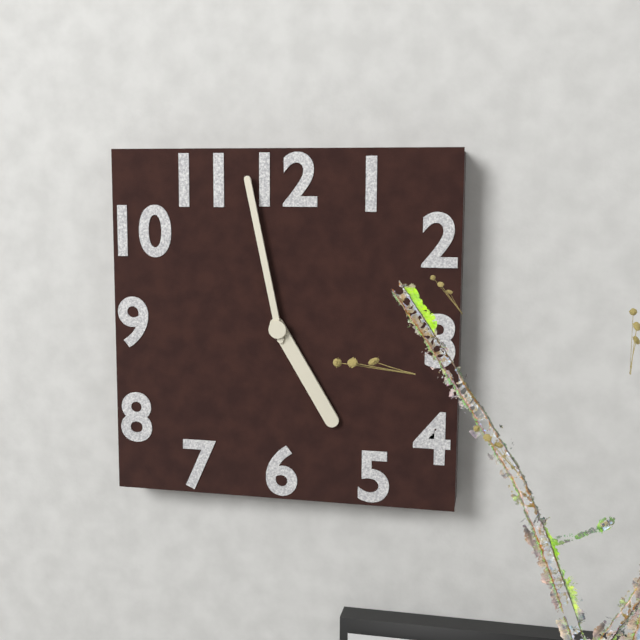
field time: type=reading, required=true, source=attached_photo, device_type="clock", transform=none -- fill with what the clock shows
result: 4:58
